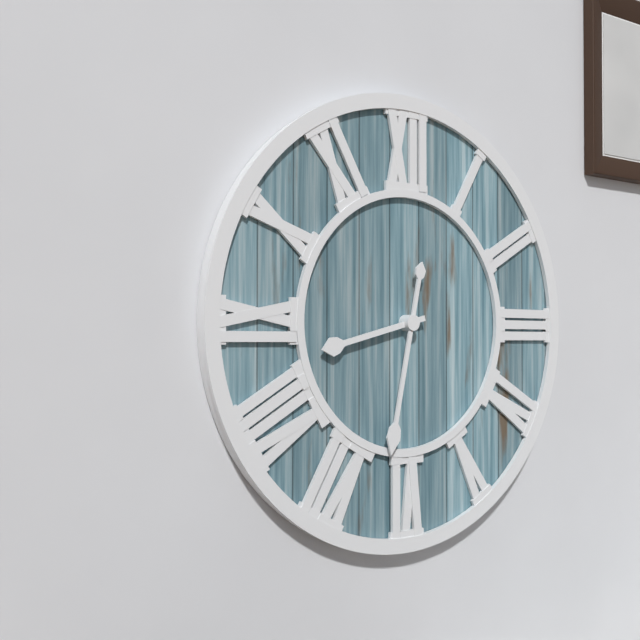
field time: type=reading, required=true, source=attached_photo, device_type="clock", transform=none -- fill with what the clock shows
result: 8:32
